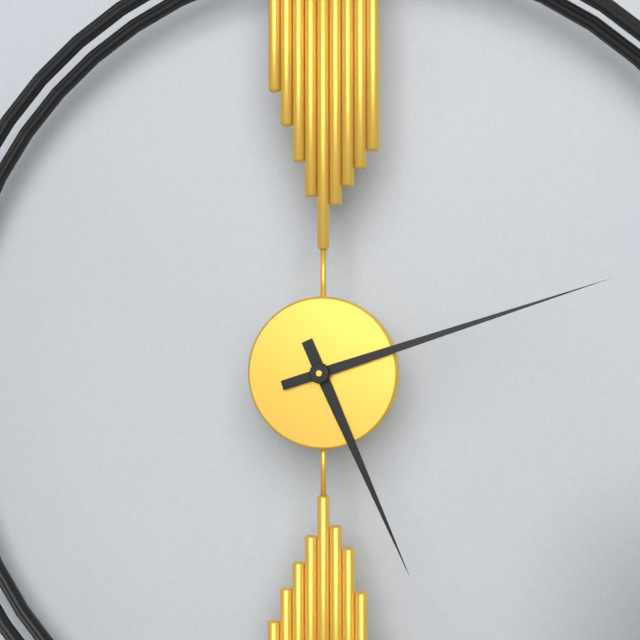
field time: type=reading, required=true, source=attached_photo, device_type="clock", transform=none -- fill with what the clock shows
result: 5:12
